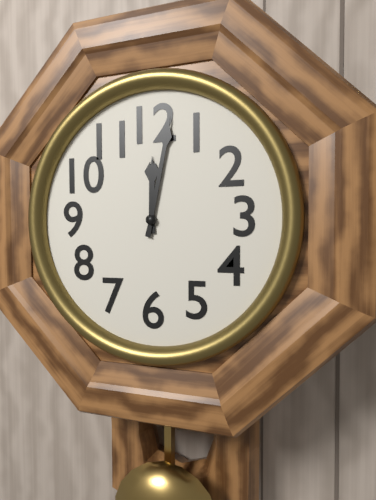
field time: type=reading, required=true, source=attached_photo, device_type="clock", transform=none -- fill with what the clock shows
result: 12:02
